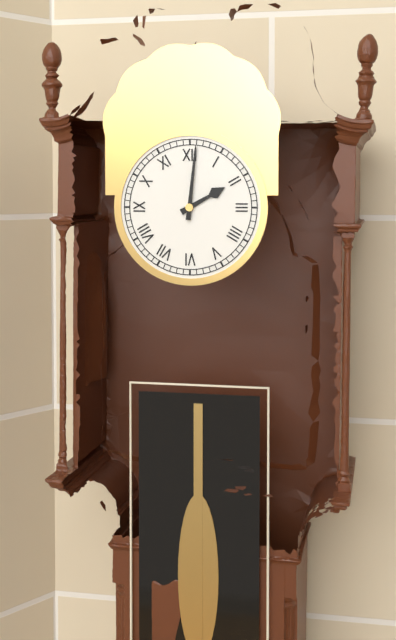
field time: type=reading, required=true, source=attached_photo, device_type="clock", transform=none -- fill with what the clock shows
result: 2:01
